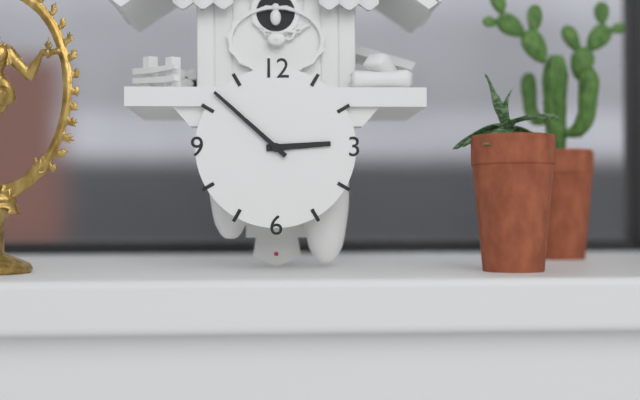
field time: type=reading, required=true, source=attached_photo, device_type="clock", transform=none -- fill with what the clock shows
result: 2:52
